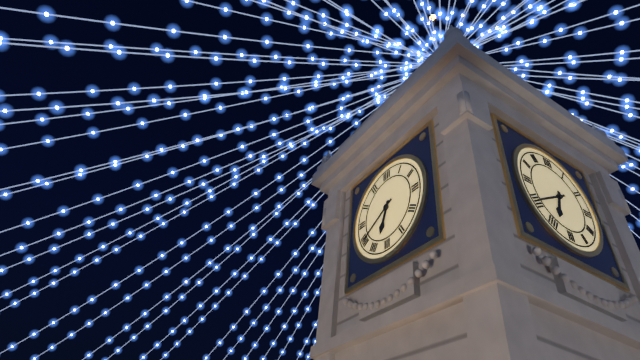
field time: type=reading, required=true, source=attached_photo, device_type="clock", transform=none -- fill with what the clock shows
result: 6:40
